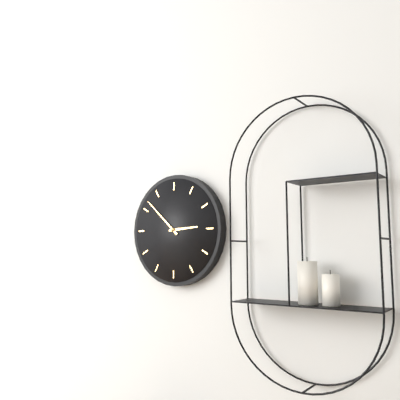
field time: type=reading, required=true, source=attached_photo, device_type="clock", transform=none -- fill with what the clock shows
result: 2:52
